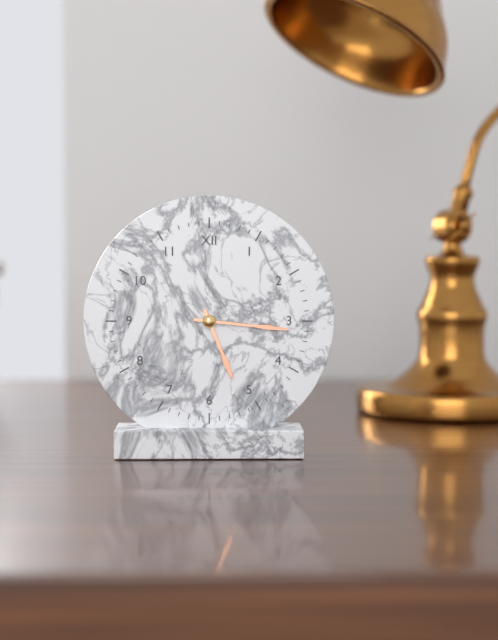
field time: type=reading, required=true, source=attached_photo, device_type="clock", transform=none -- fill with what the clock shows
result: 5:16
